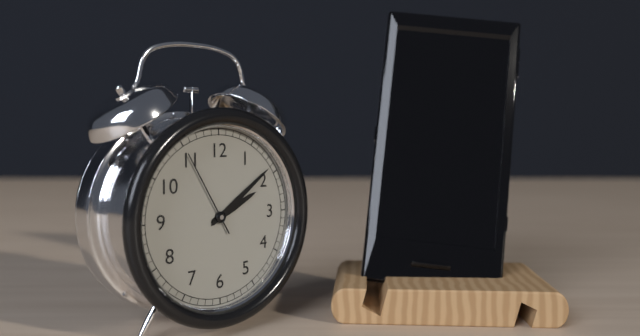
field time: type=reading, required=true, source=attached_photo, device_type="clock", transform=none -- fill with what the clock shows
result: 2:09:55
